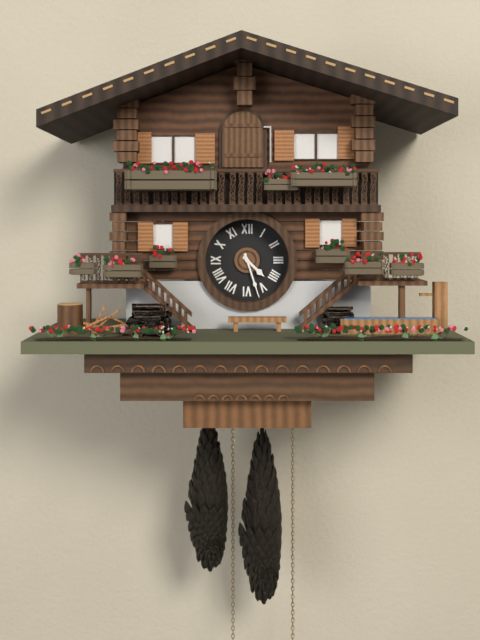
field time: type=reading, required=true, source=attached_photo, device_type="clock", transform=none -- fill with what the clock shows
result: 4:27
